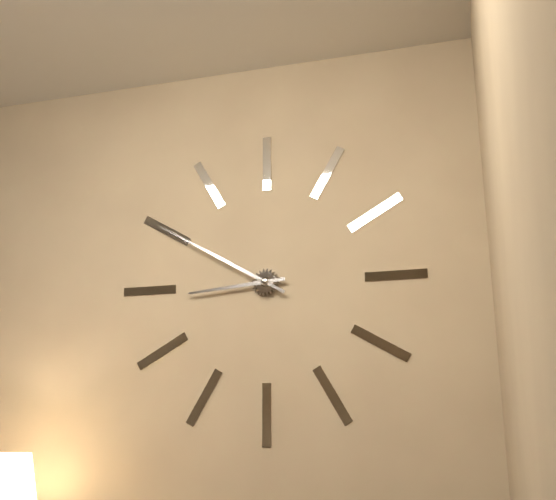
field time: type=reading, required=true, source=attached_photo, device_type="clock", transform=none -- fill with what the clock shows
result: 8:50
